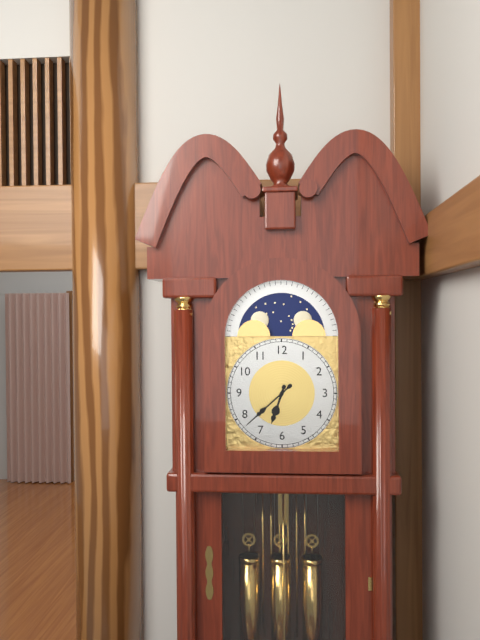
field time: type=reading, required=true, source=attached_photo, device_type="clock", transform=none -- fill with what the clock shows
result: 6:38
